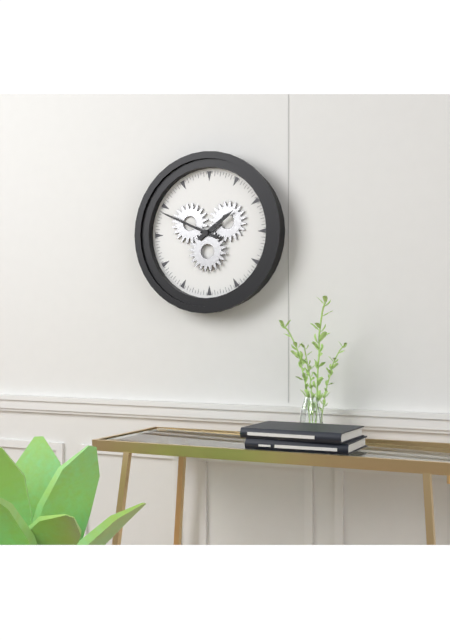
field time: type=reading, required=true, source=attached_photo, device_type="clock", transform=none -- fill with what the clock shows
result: 1:49
